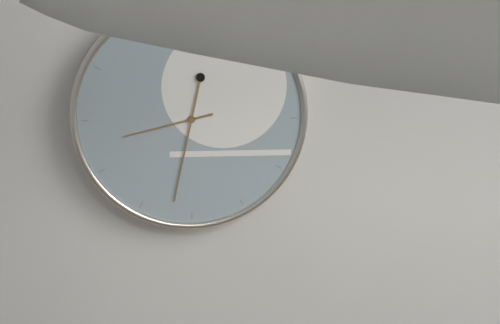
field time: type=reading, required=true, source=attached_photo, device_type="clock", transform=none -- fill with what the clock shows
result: 8:32
